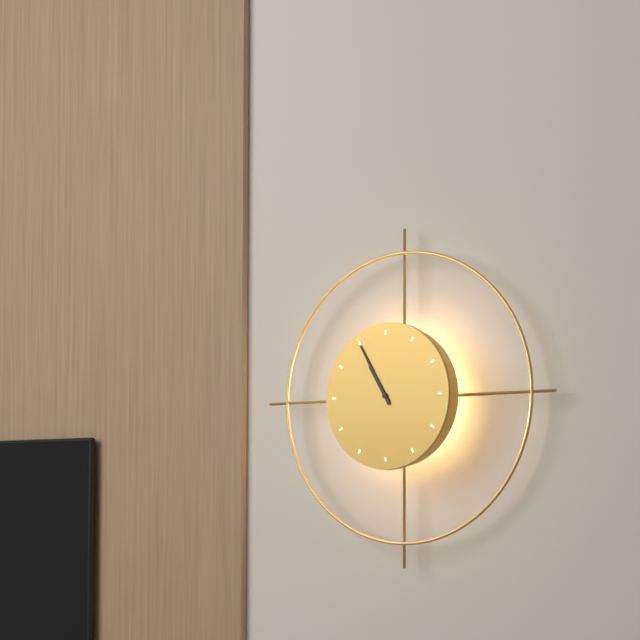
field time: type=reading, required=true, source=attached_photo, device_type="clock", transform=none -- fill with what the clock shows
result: 10:55
